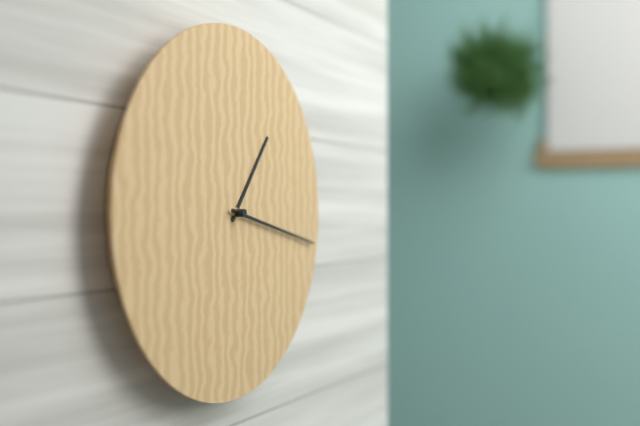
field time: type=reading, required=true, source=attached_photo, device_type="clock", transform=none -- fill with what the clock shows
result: 1:17
